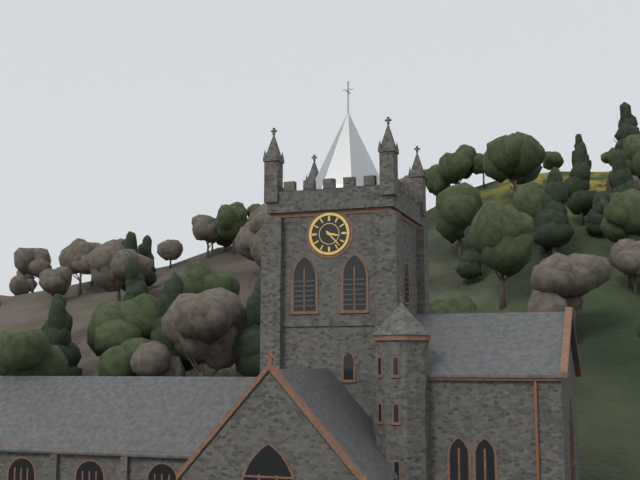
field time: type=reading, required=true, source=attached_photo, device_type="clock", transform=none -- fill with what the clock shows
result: 3:23
